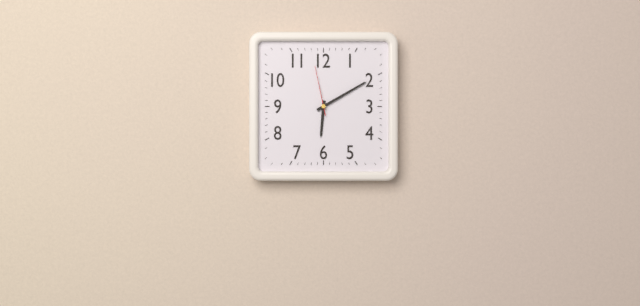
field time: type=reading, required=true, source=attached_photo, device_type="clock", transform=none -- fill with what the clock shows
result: 6:10:58
